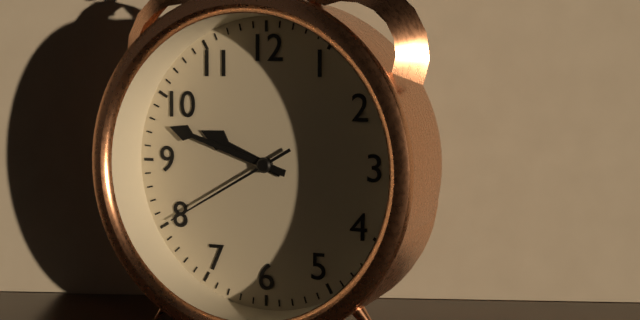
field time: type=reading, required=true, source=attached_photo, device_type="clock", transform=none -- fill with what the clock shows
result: 9:48:40
